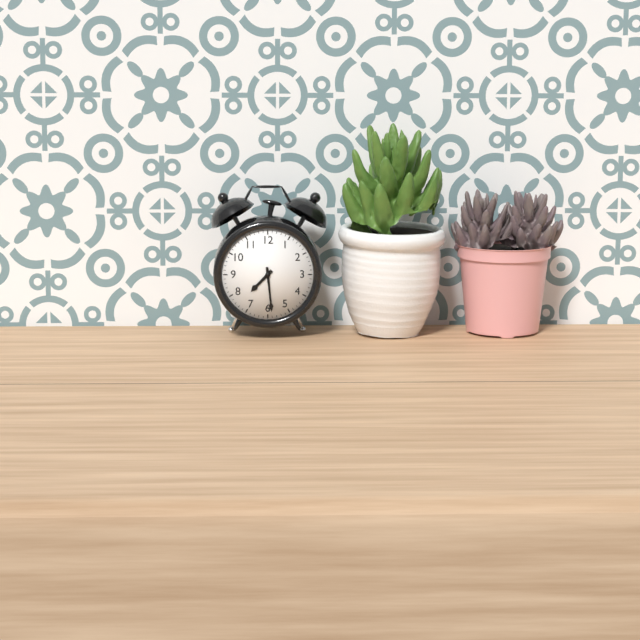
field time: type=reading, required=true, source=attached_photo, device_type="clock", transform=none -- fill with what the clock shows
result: 7:29
